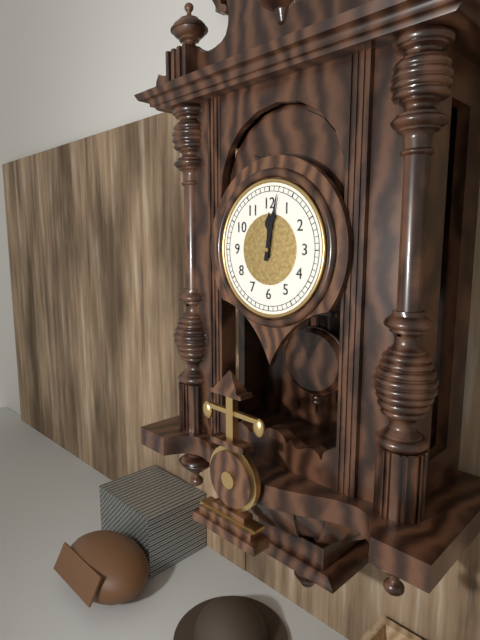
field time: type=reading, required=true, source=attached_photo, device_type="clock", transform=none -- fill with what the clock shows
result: 12:02
